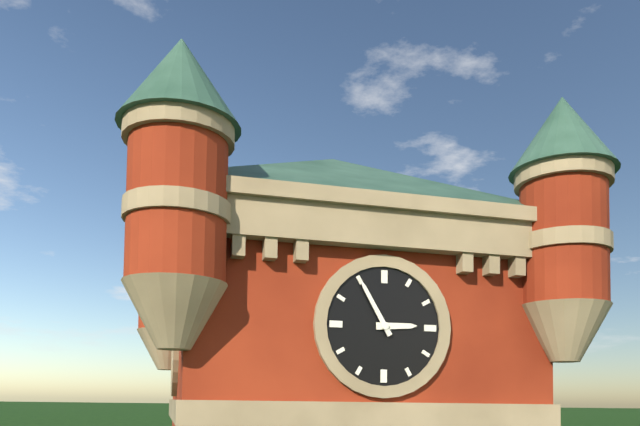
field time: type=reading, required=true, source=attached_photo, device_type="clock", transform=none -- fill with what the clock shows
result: 2:55
